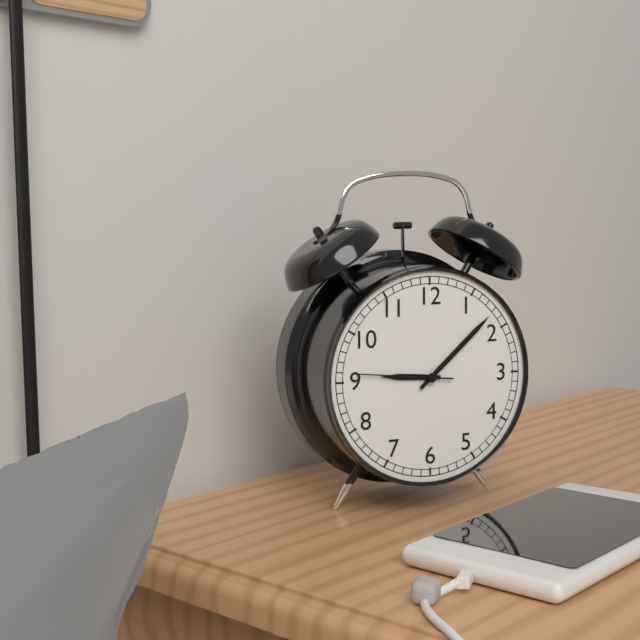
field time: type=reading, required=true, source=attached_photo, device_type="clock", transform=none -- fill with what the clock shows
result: 9:08:46
